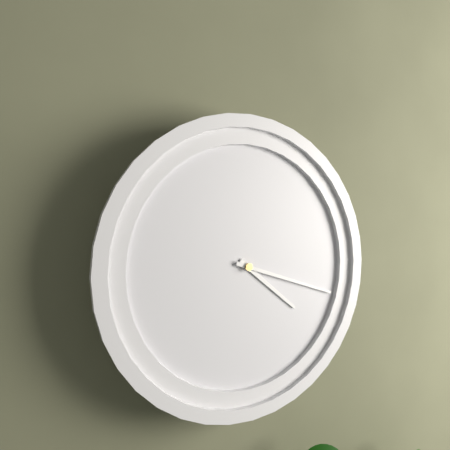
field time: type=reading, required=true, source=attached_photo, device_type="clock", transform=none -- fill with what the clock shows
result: 4:18
